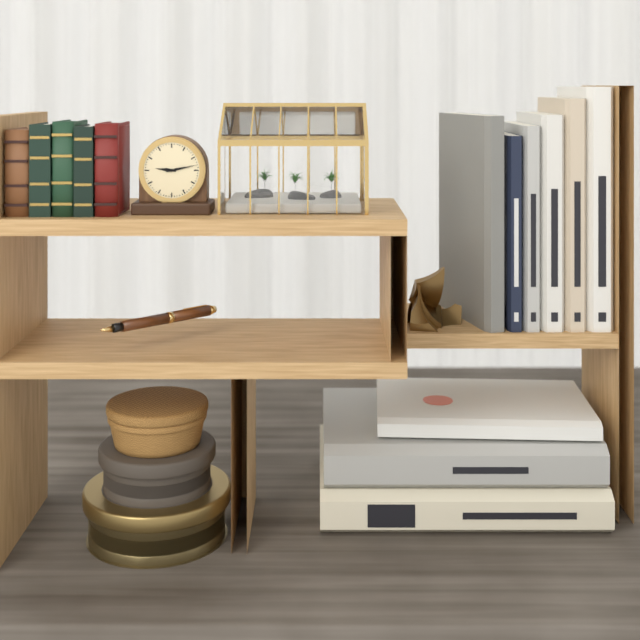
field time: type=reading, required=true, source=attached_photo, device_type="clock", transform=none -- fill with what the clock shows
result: 9:13
